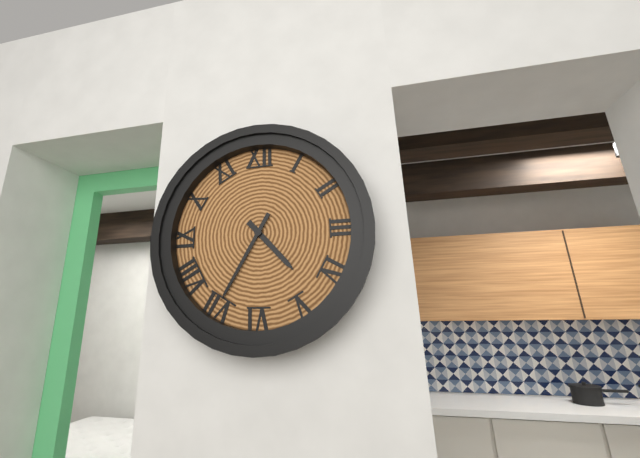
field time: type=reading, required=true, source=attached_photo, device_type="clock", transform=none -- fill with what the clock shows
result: 4:35
